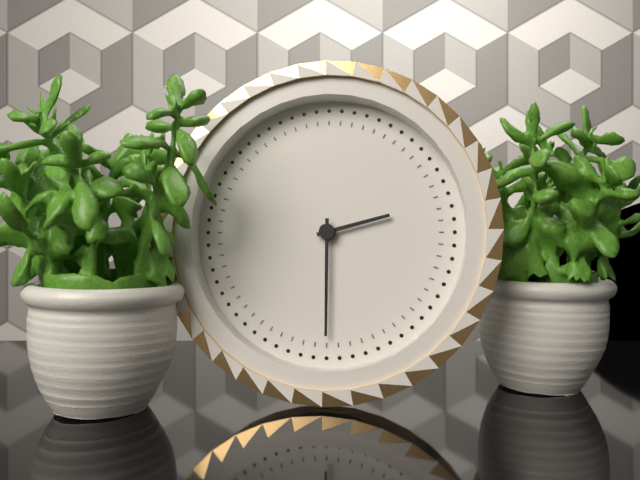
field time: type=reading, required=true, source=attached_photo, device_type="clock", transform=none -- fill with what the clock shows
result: 2:30
